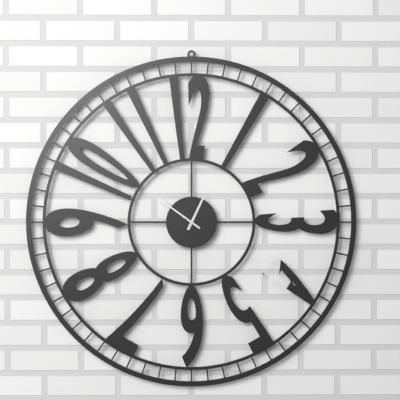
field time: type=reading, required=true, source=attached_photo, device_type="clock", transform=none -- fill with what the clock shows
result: 12:51
